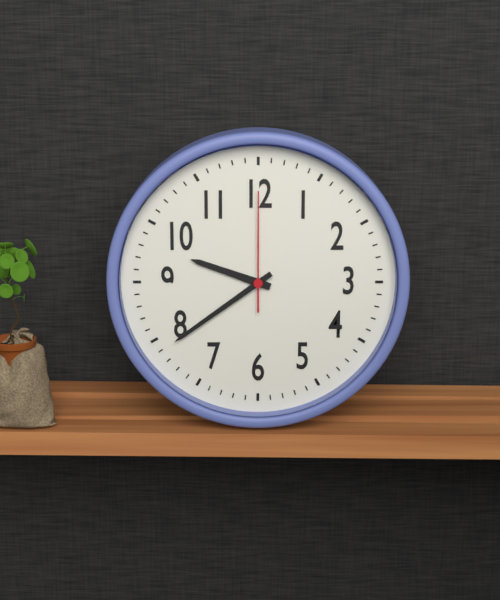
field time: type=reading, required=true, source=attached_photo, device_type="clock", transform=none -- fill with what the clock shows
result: 9:39:00
